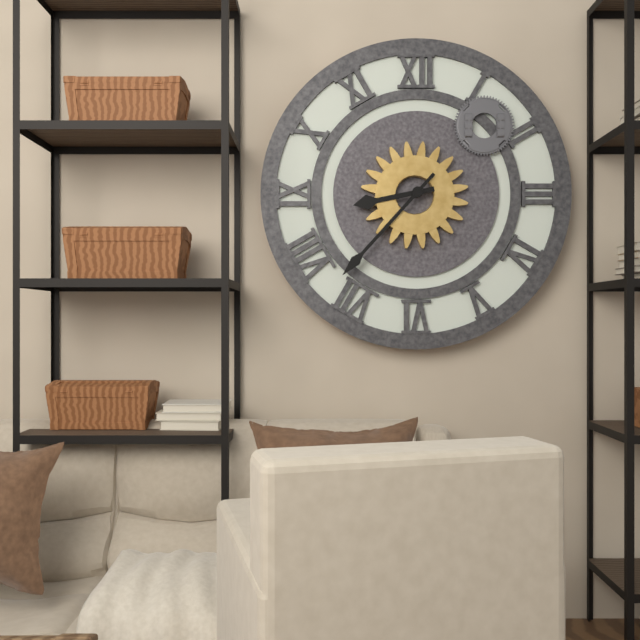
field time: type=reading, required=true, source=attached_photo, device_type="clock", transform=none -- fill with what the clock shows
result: 8:37
